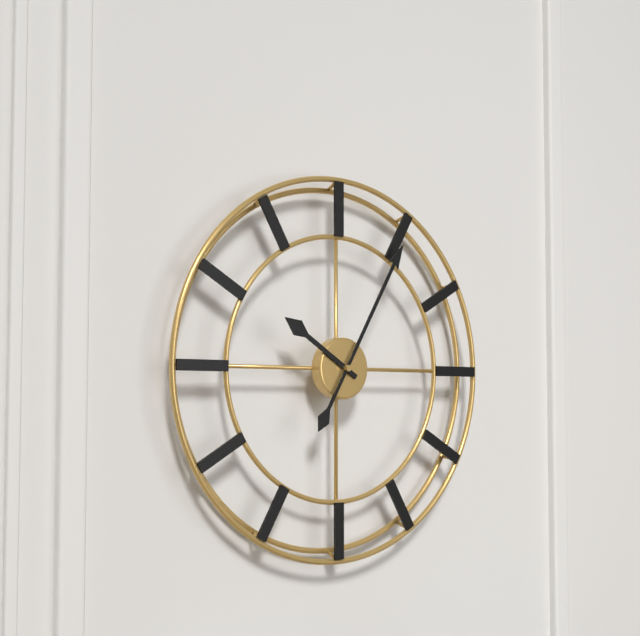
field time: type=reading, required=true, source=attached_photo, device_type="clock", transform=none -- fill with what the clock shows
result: 10:05
